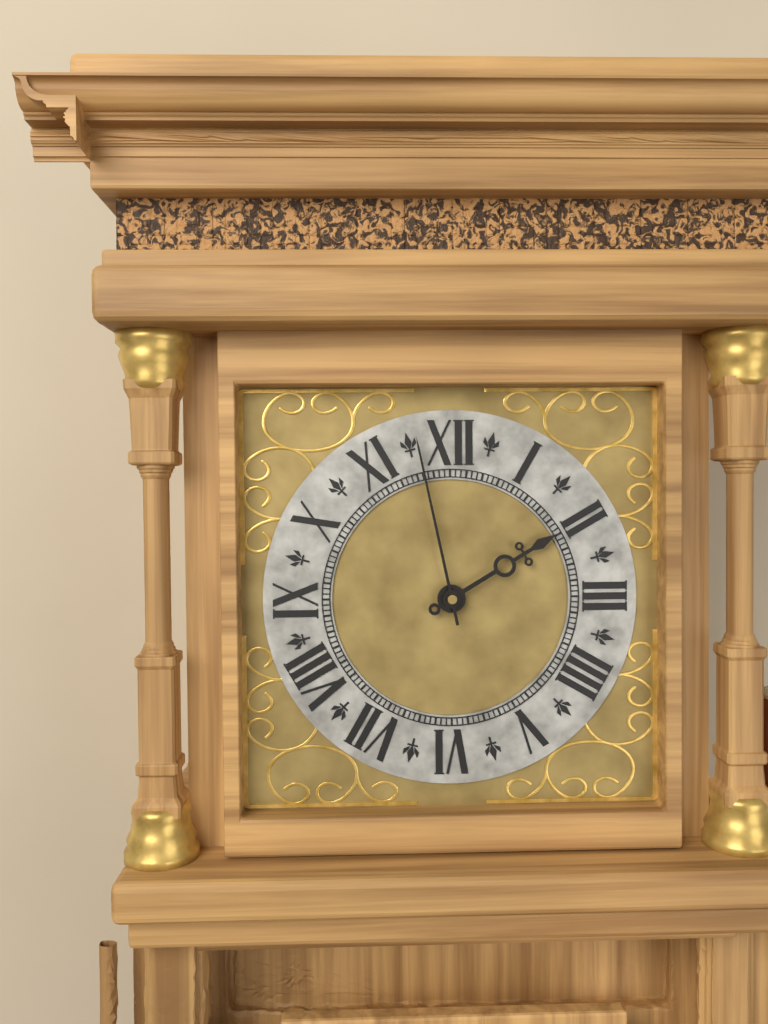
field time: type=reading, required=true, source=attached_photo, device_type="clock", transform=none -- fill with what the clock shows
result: 1:58
